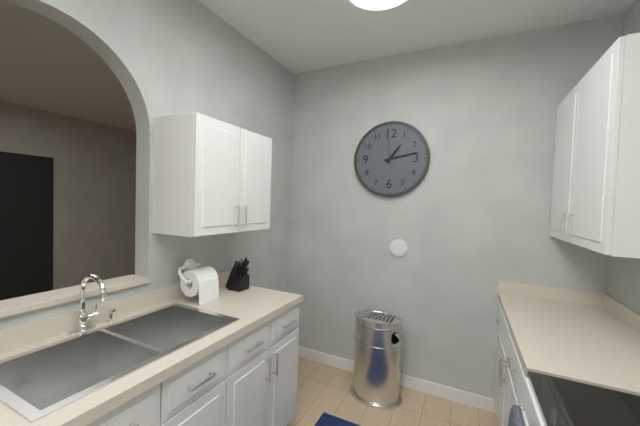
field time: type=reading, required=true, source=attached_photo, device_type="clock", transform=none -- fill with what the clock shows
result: 1:13
